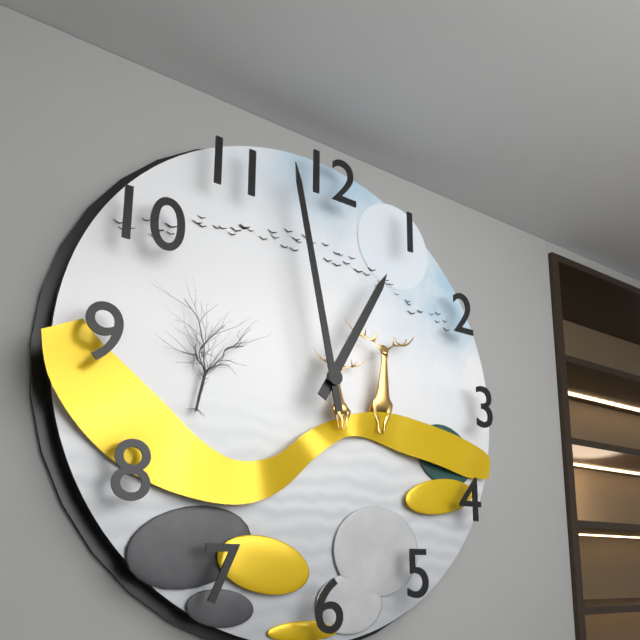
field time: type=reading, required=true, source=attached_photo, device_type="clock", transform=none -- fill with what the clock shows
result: 12:58
